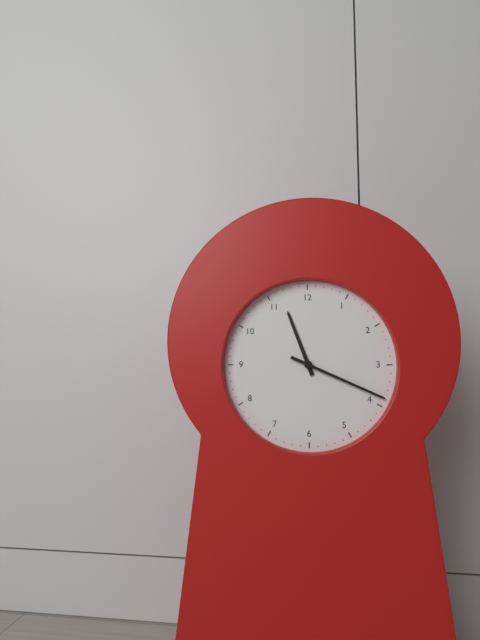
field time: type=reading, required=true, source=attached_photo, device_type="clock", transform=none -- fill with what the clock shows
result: 11:19
